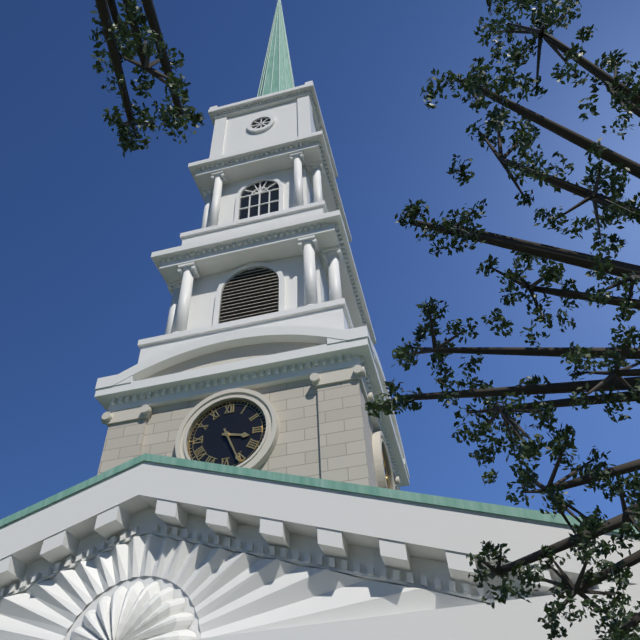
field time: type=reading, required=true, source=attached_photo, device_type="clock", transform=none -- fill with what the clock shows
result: 3:26
